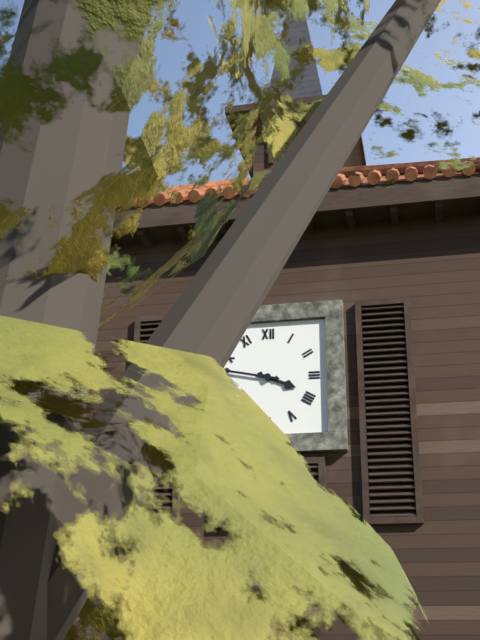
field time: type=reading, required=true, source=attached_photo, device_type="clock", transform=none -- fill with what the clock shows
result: 3:47
